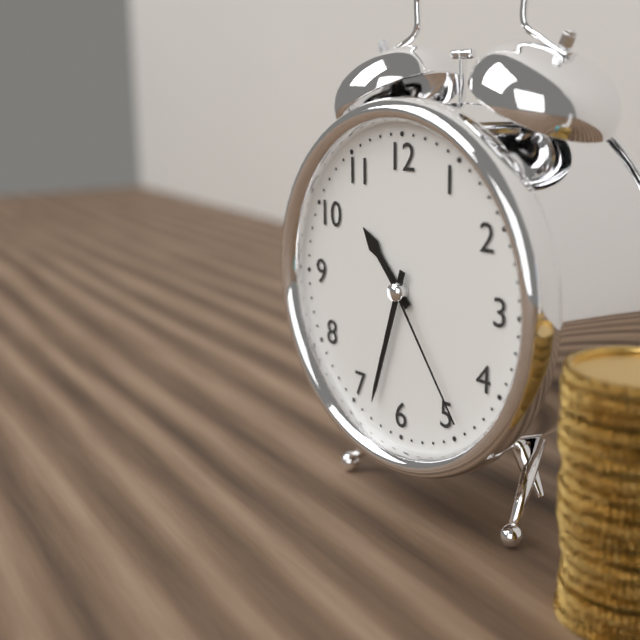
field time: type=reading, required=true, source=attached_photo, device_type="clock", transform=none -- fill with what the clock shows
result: 10:33:24
